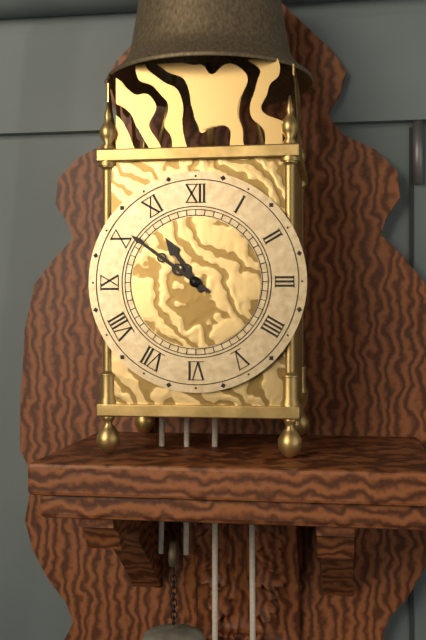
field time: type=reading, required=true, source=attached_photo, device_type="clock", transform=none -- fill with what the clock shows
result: 10:51
